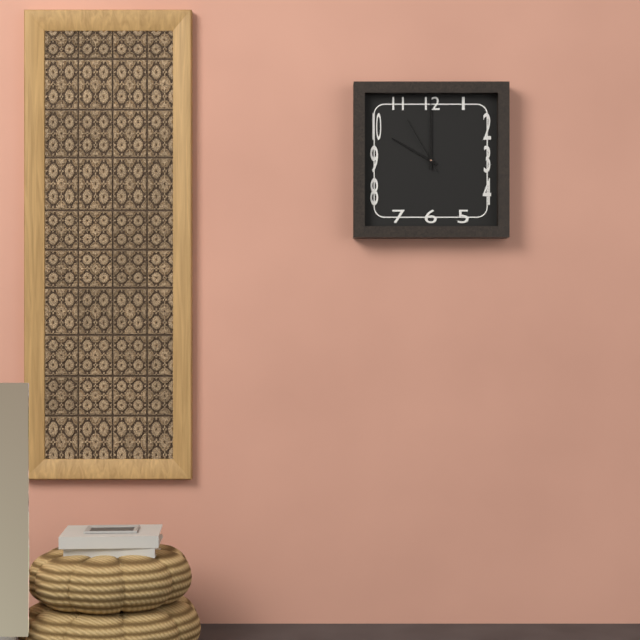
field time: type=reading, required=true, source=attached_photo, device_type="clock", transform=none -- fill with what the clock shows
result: 10:00:55
